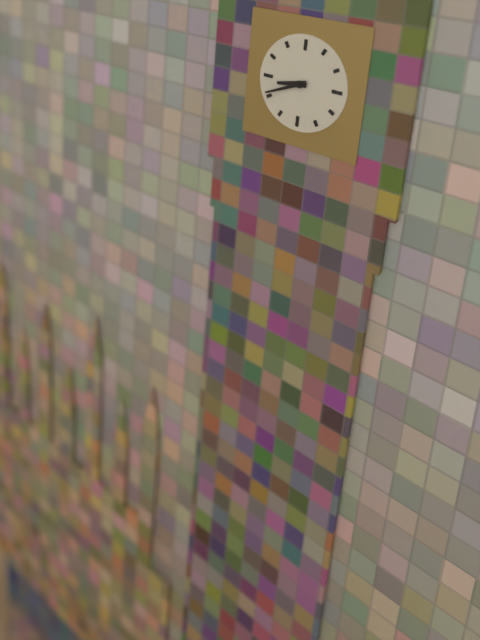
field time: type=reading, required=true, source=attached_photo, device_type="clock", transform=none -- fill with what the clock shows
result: 8:41
